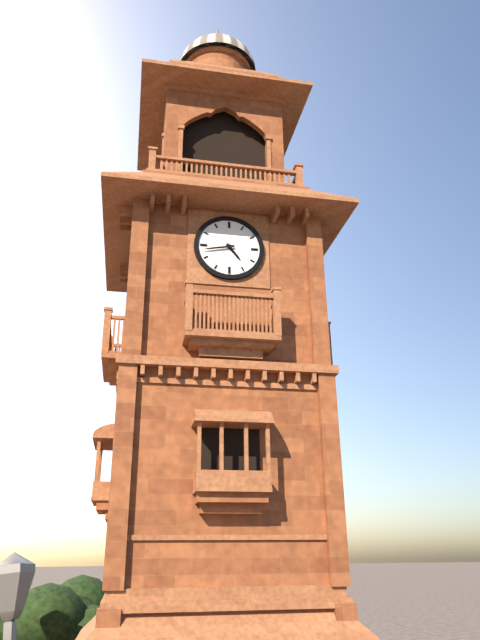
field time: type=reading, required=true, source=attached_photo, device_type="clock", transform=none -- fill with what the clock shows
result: 4:43
